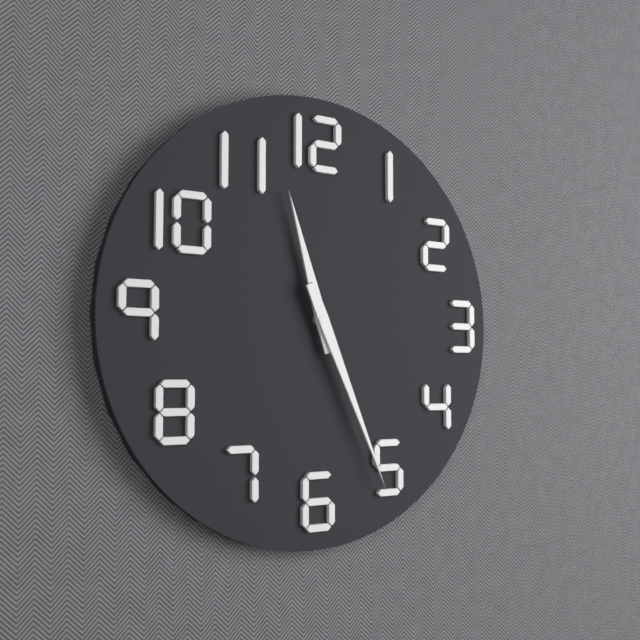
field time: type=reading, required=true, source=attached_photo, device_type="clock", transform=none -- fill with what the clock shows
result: 11:26
